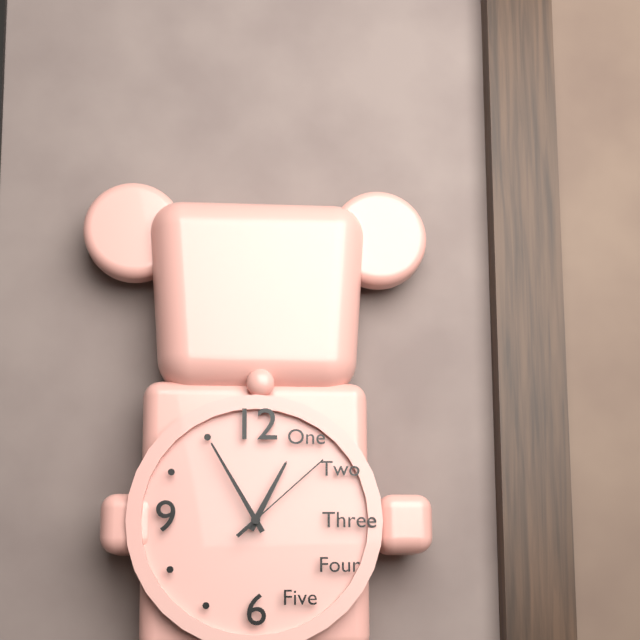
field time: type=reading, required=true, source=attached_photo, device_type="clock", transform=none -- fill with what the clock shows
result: 12:55:08
